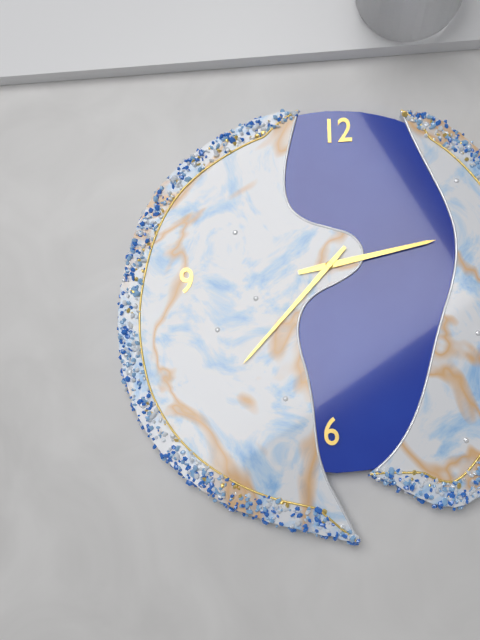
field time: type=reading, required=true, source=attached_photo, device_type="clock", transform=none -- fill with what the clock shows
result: 2:37
